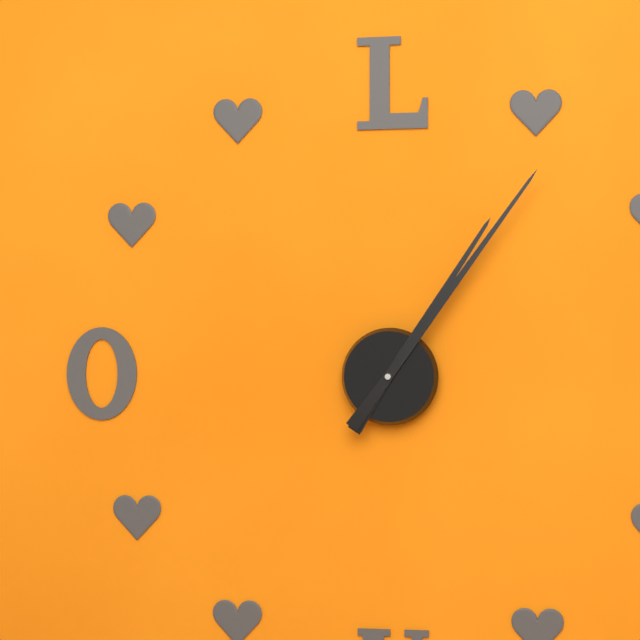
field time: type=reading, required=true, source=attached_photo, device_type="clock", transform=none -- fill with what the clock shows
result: 1:06
